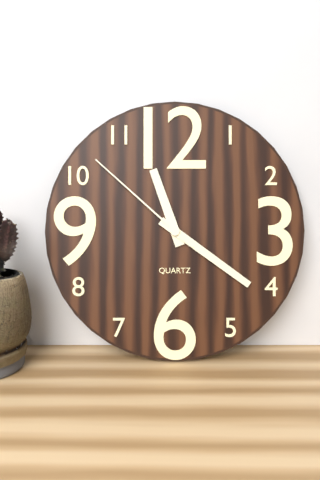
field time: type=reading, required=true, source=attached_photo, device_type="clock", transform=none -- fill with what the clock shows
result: 11:21:52
